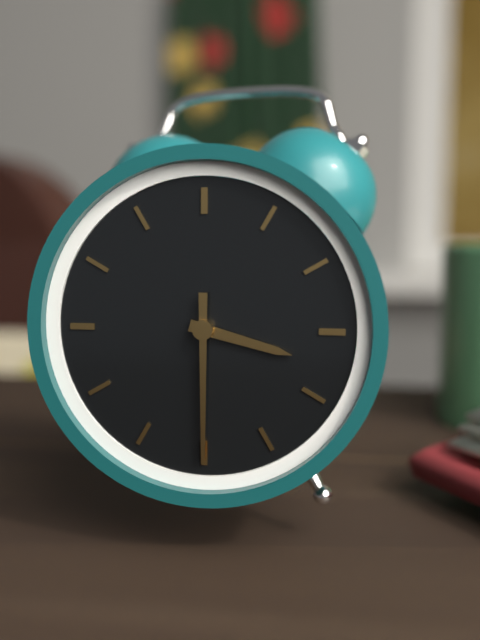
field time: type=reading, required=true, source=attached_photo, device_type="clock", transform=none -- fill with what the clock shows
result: 3:30
